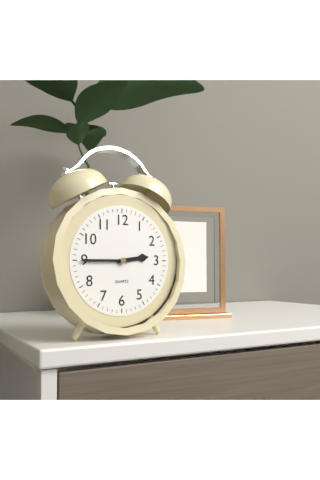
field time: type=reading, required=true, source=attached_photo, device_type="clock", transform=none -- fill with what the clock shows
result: 2:45
